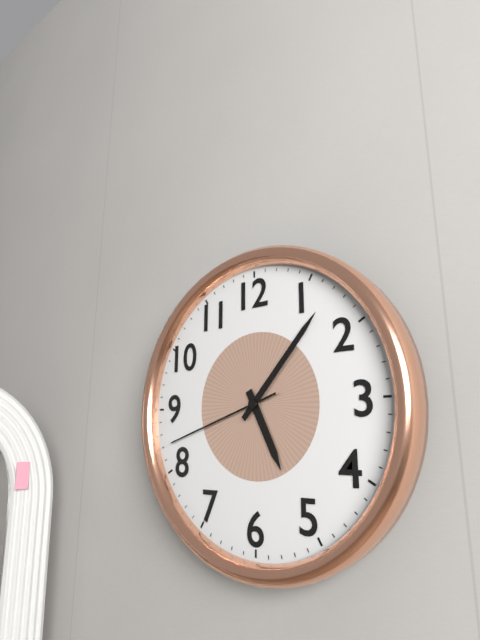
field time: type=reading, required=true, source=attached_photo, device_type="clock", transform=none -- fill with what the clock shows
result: 5:07:42
